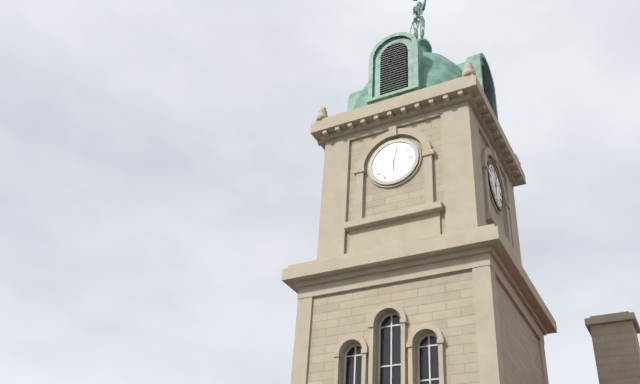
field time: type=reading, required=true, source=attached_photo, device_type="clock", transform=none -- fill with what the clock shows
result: 6:02
